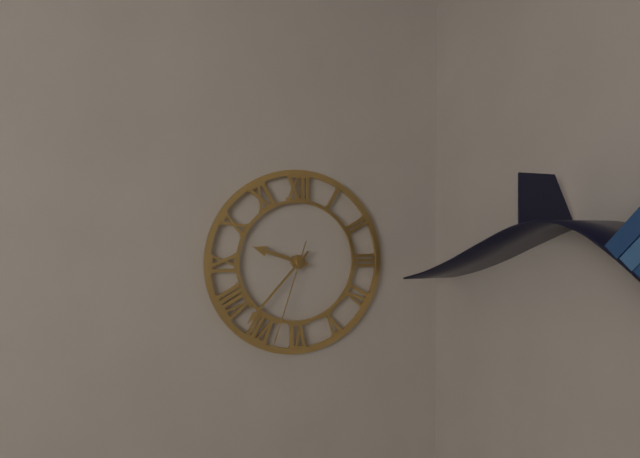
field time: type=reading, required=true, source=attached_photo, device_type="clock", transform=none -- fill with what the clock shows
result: 9:37:33
